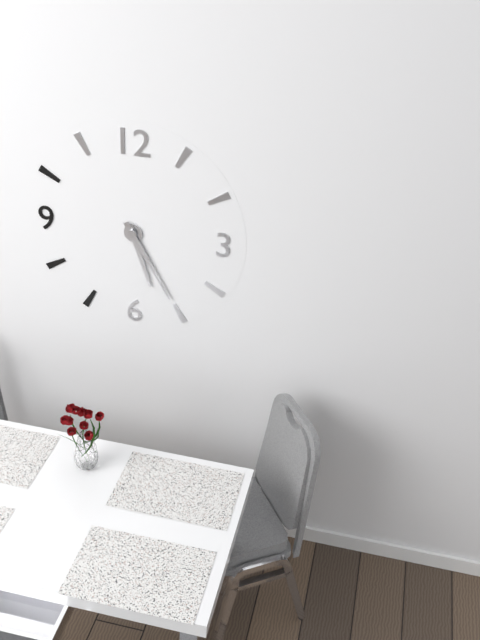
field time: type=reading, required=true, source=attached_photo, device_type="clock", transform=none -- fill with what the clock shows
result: 5:25
